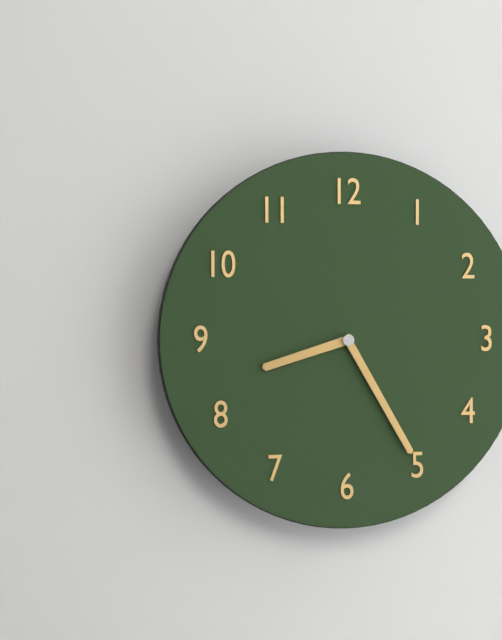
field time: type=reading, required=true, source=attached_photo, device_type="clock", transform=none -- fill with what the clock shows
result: 8:25
